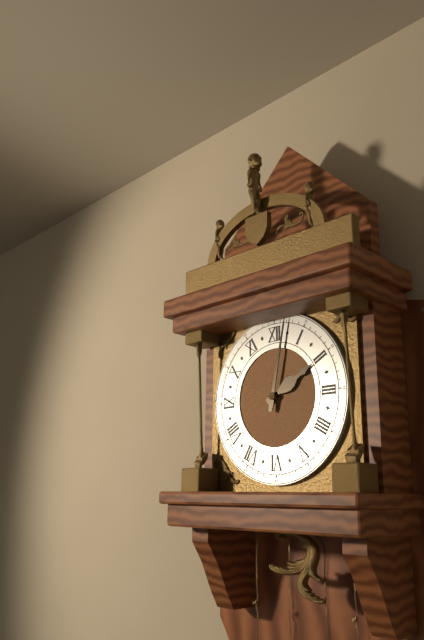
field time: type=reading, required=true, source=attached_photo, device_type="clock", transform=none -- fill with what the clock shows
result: 2:02
